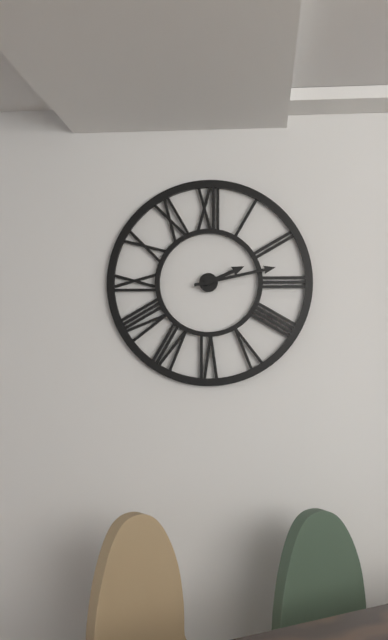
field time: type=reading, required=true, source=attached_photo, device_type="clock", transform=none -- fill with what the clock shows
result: 2:13
